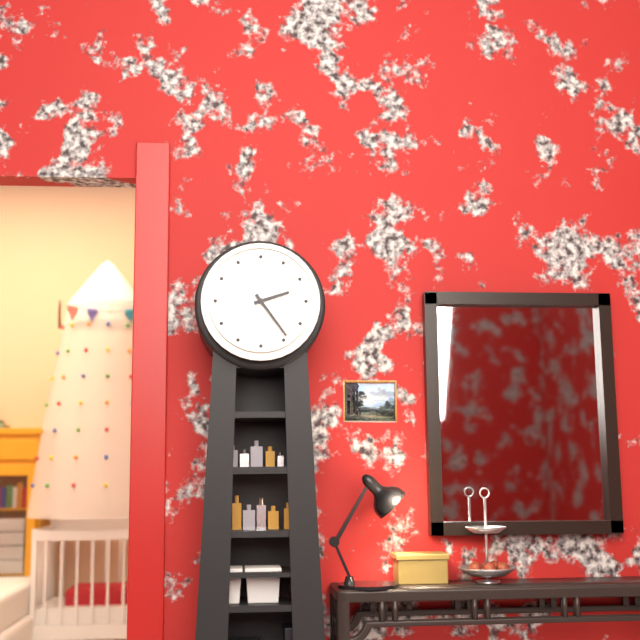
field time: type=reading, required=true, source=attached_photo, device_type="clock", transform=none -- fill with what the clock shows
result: 2:24
